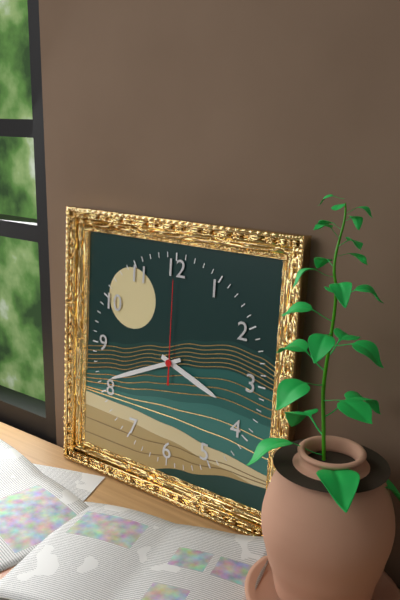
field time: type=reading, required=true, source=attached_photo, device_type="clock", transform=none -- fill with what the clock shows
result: 3:41:00
